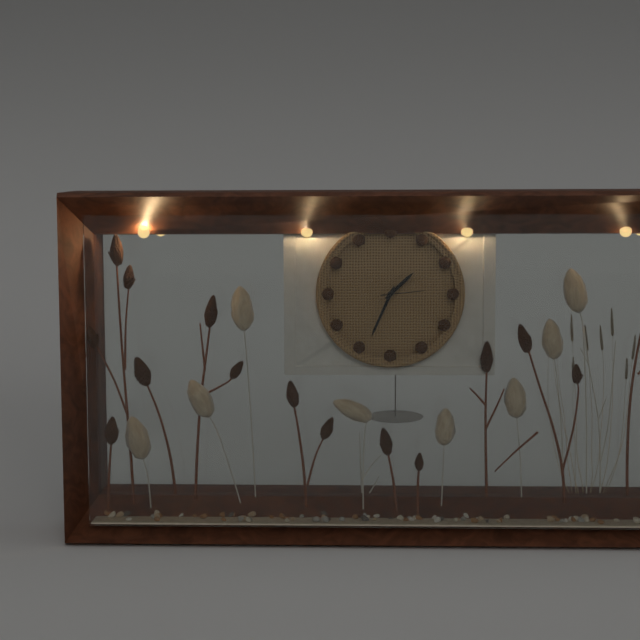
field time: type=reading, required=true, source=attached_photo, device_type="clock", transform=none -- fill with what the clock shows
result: 1:34
